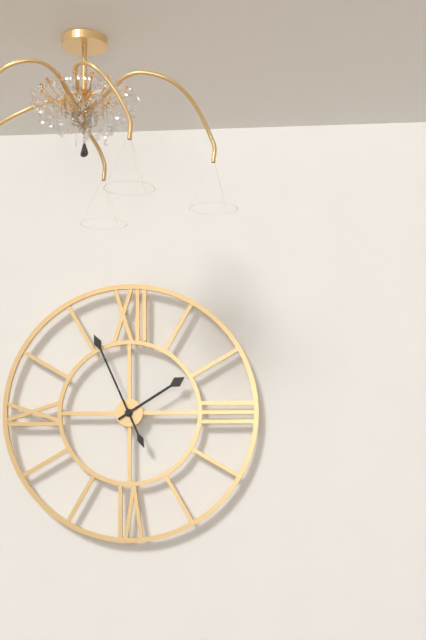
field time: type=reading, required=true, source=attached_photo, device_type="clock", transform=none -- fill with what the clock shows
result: 1:56
